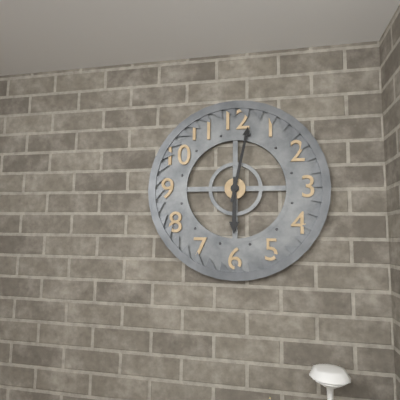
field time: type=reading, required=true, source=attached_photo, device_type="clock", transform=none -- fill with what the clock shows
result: 6:02
